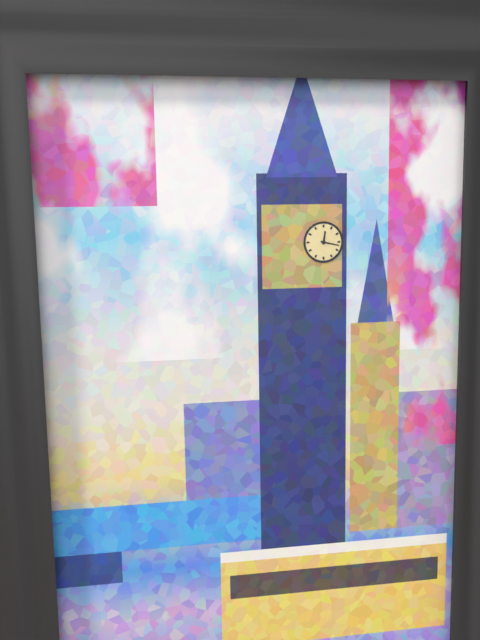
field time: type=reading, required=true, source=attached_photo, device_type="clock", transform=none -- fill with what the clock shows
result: 12:17
